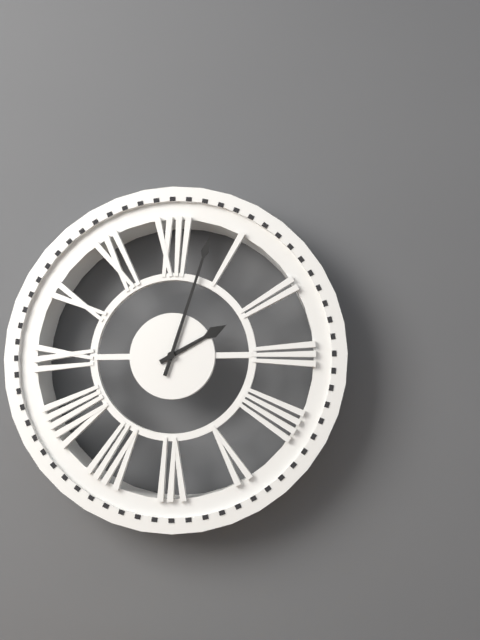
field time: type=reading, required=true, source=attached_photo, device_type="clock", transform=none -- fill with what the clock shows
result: 2:03
